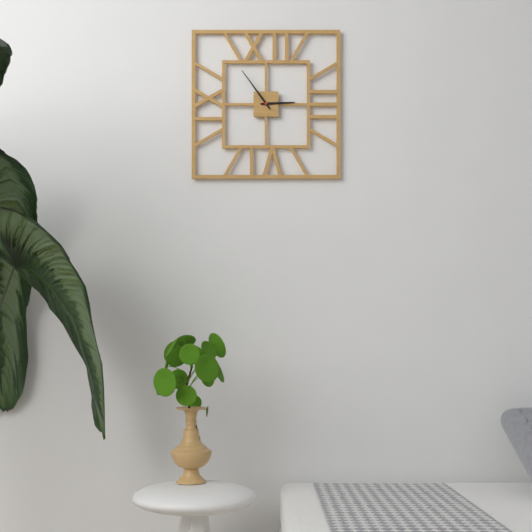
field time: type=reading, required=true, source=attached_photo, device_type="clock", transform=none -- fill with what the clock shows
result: 2:54
